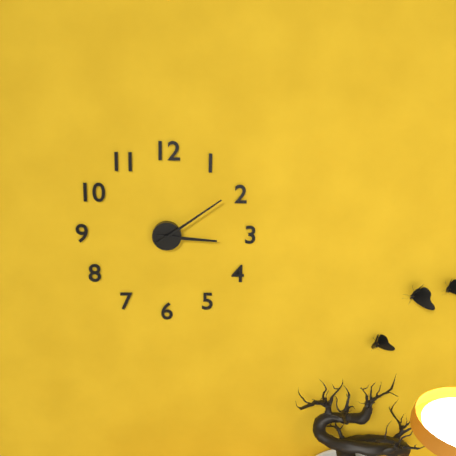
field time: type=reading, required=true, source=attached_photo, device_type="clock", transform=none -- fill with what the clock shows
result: 3:09
